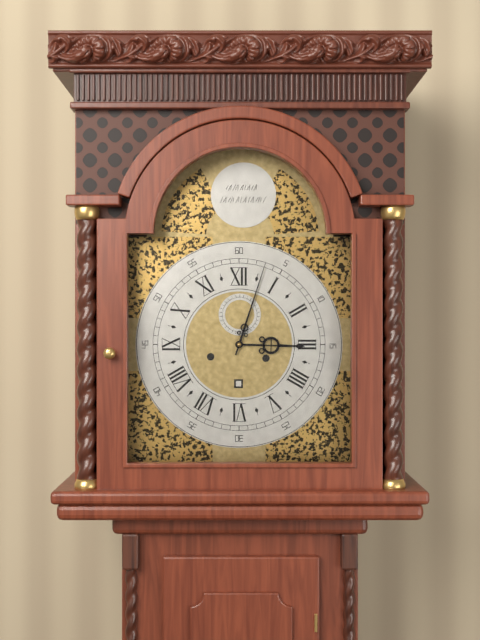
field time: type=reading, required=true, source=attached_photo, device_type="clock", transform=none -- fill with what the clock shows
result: 3:03
